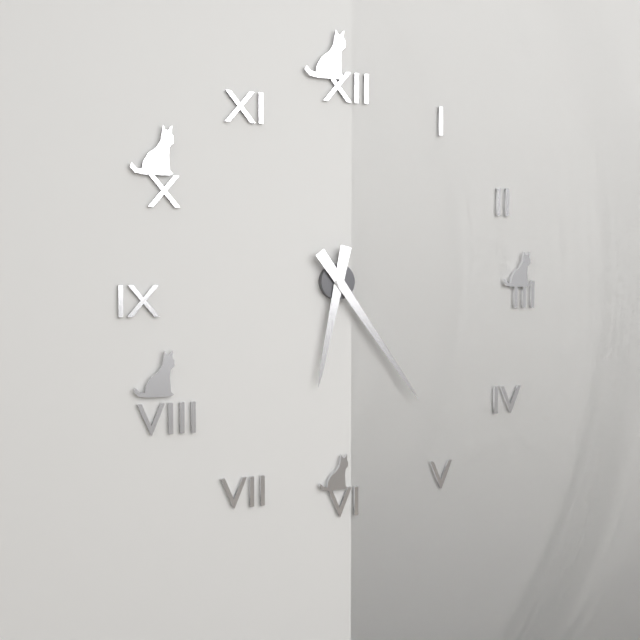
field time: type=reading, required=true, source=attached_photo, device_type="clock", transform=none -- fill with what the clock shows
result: 6:24
